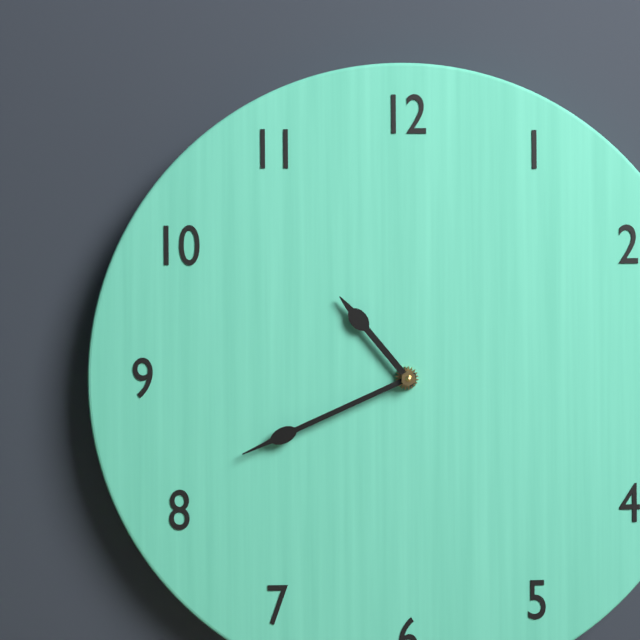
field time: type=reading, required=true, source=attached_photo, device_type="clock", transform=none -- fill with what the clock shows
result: 10:41
